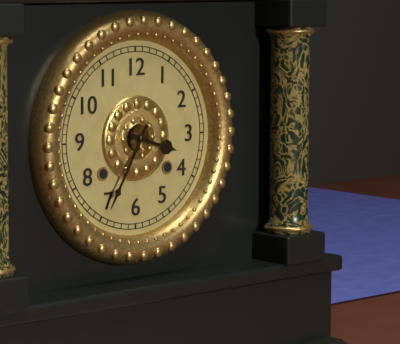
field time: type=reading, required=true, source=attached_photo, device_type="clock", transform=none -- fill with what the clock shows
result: 3:35
